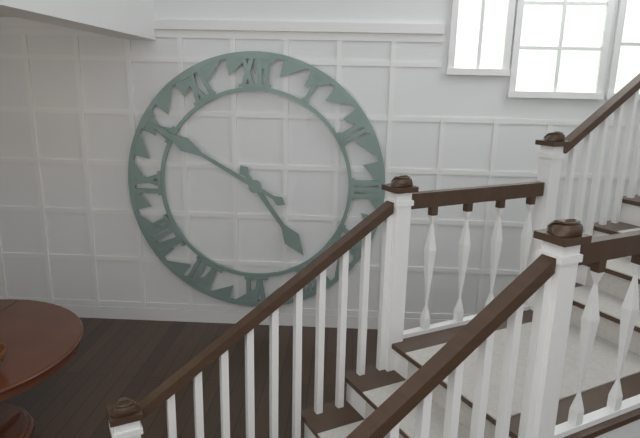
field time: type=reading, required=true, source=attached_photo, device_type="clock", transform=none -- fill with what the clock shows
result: 4:50
